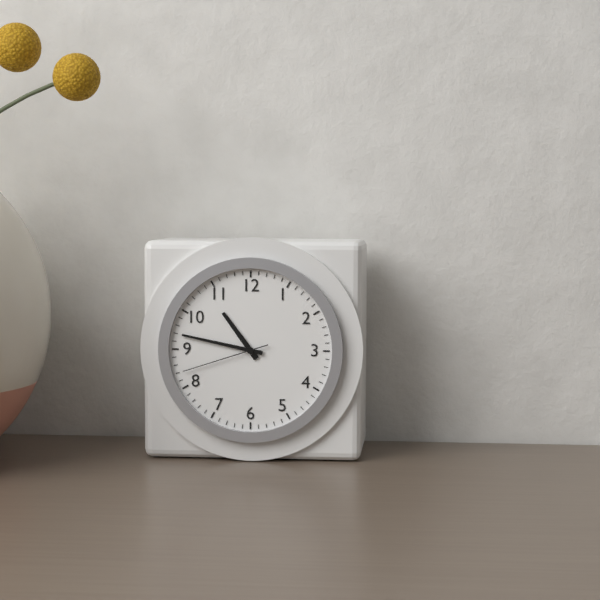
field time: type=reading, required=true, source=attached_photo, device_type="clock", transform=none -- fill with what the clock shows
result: 10:47:42
